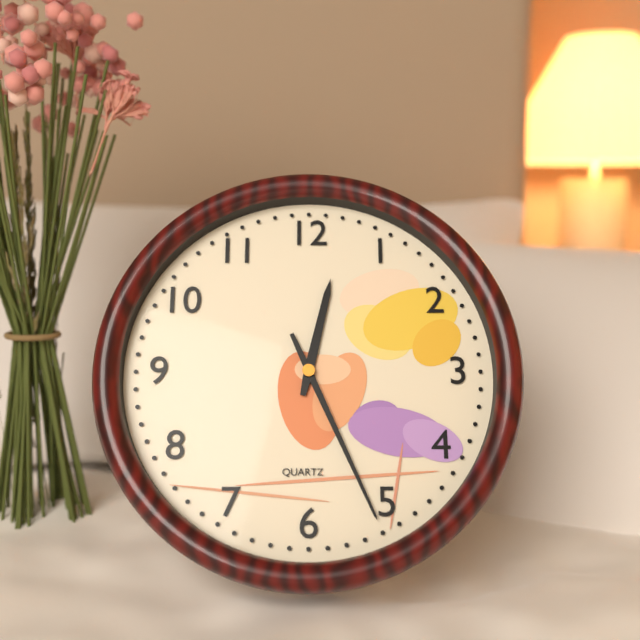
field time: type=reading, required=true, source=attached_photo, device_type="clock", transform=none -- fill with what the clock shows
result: 12:26
